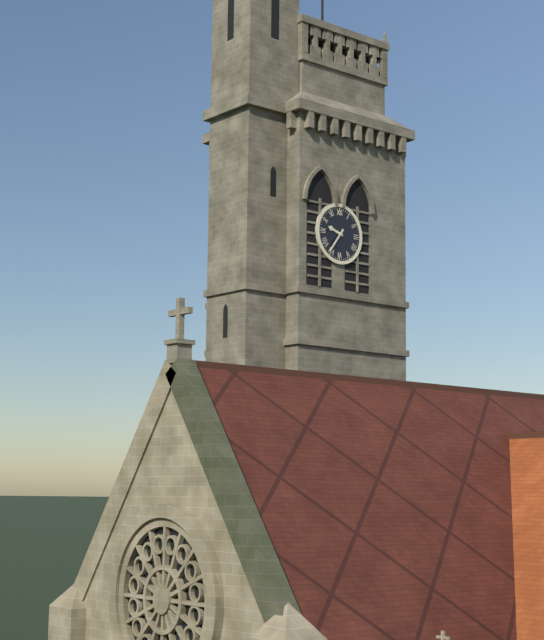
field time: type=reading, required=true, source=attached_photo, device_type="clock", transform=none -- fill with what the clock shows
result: 9:36
